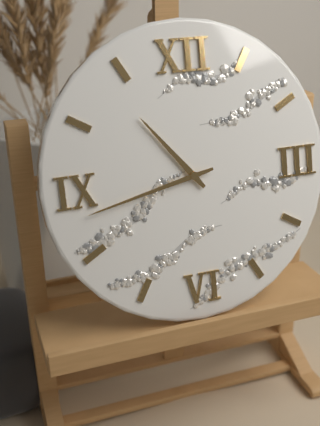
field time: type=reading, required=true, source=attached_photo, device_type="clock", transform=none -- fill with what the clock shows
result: 10:43
